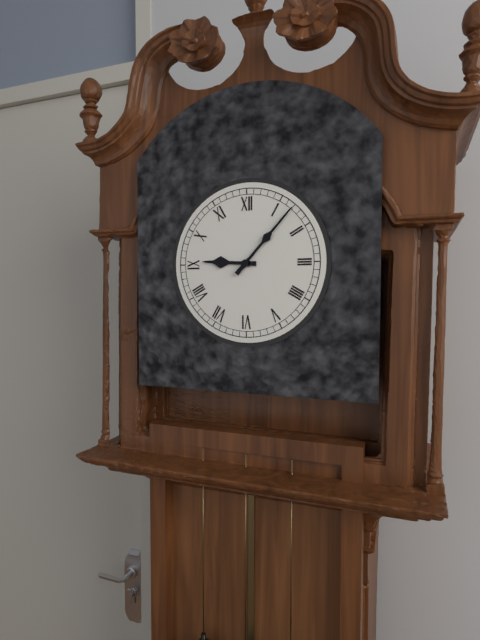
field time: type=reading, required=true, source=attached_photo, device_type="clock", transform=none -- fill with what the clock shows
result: 9:07
